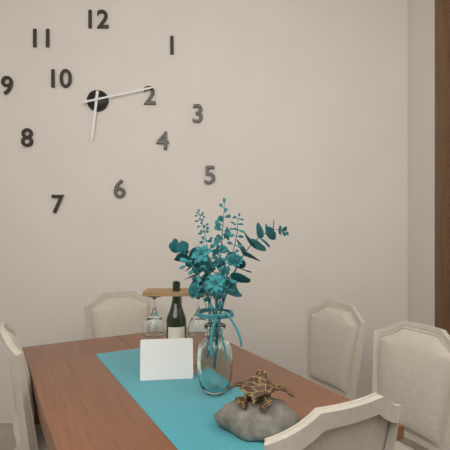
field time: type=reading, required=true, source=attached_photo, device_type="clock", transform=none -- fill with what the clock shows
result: 6:13
